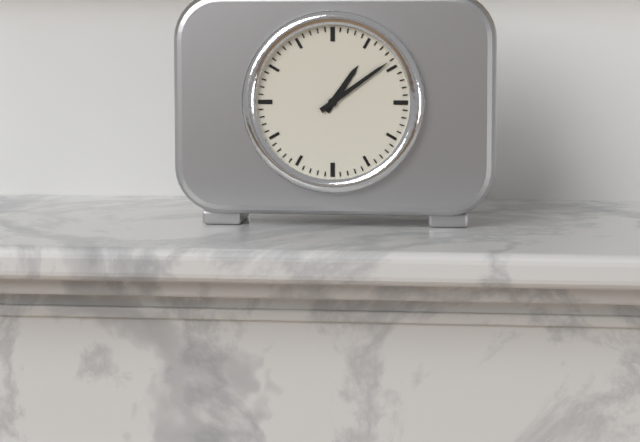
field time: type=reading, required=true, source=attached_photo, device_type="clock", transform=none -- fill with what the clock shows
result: 1:09
